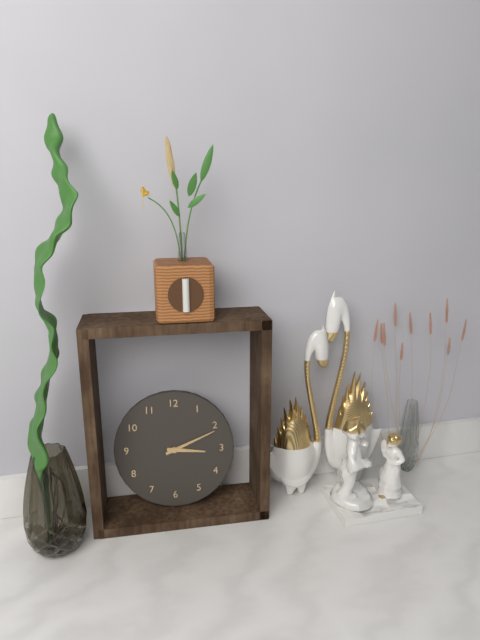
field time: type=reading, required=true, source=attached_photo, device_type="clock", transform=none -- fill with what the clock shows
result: 3:11
